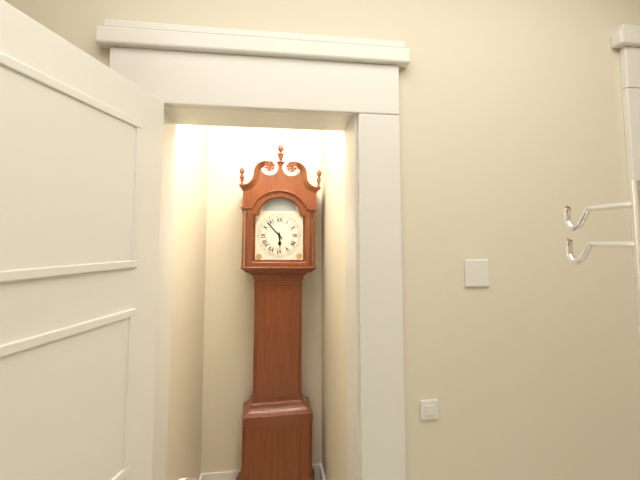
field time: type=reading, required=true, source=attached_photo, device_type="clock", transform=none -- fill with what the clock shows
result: 5:53
